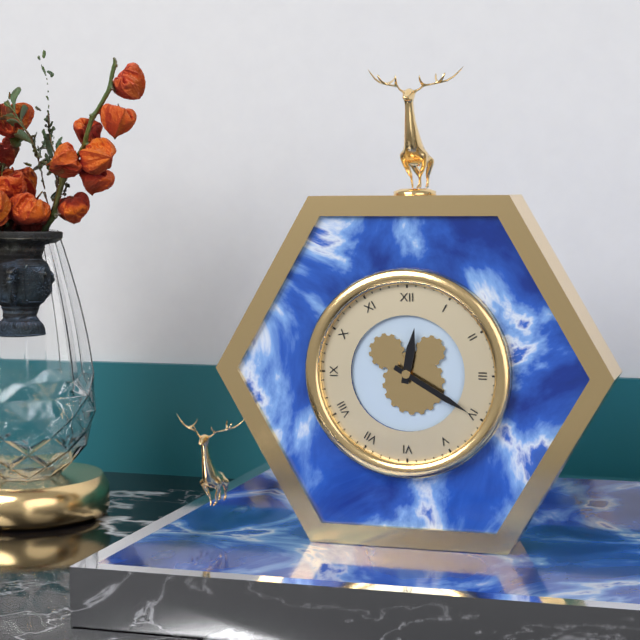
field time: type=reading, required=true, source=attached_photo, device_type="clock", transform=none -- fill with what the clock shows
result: 12:20
